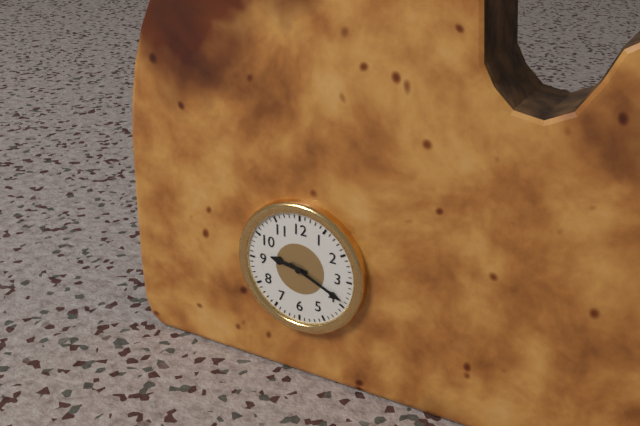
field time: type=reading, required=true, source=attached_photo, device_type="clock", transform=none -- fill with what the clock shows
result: 9:19
